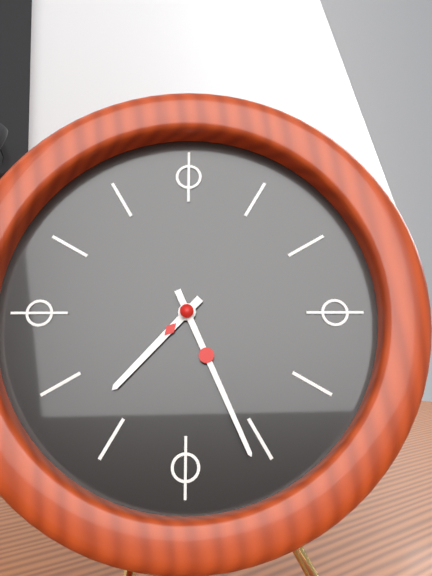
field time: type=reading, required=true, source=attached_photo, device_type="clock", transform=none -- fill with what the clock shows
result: 7:26
